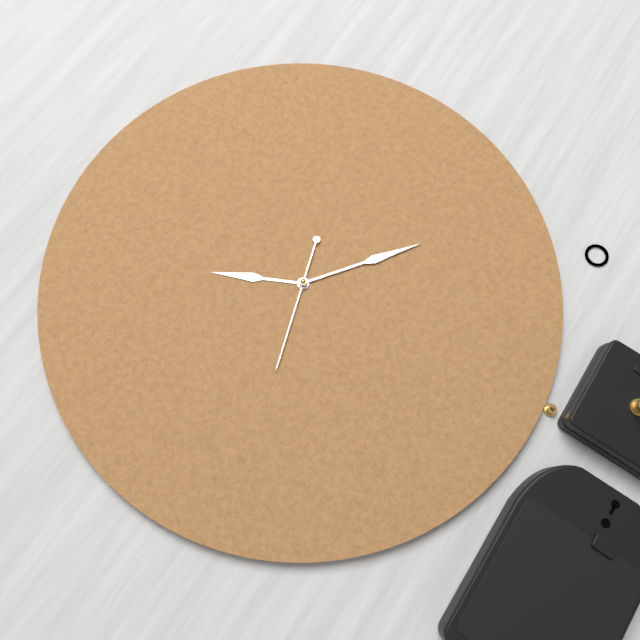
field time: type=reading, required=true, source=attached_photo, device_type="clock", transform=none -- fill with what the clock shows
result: 8:06:27
